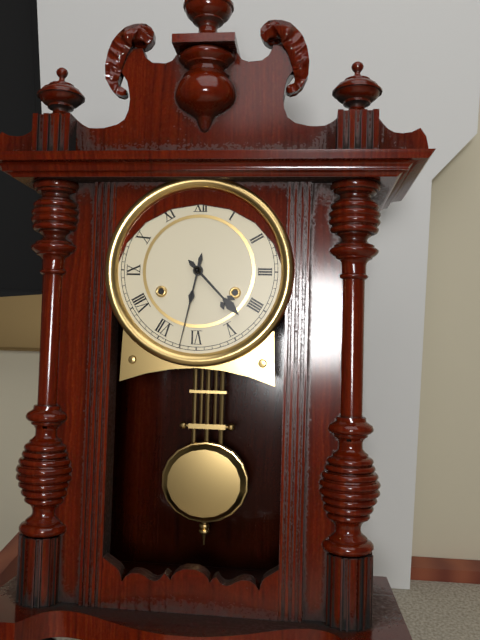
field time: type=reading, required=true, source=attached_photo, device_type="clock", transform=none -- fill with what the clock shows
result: 4:32
